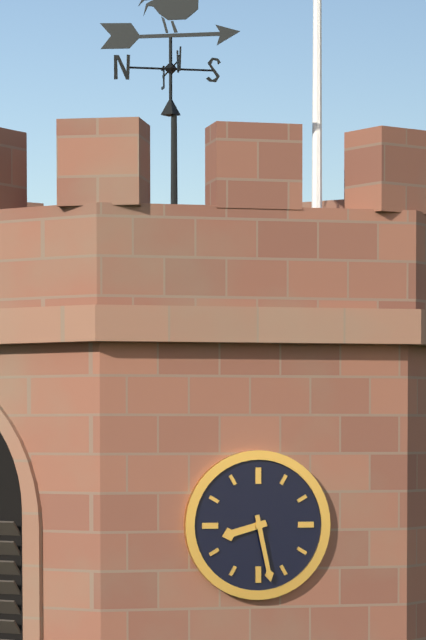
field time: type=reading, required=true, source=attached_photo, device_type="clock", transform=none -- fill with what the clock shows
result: 8:28
